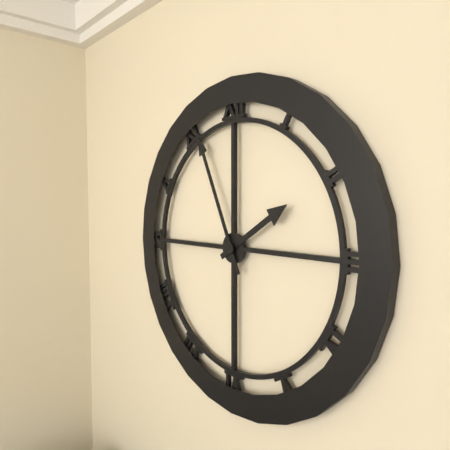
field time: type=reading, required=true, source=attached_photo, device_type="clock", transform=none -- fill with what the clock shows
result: 1:56
